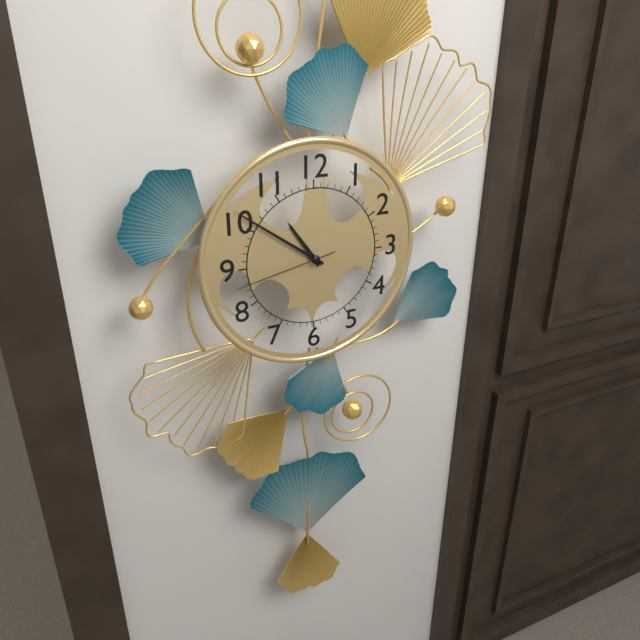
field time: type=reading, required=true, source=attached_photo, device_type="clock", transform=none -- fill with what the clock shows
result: 10:51:43
